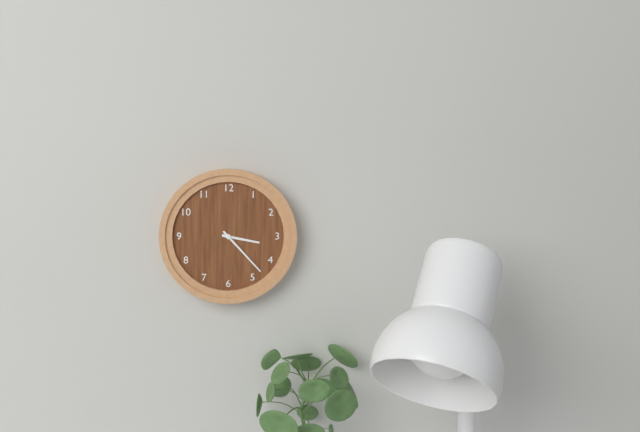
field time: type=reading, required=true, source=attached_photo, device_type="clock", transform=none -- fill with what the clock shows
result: 3:23
